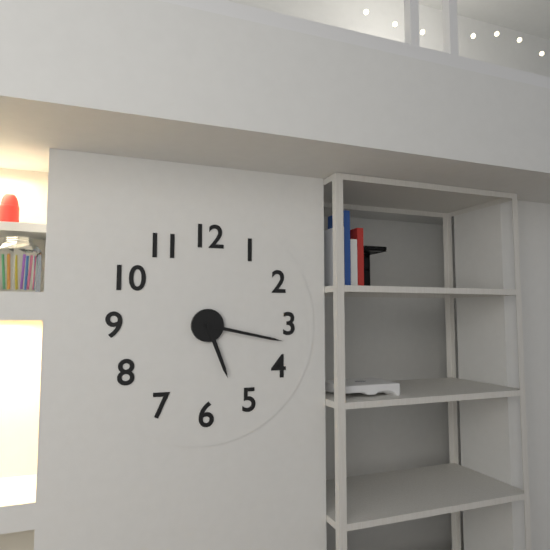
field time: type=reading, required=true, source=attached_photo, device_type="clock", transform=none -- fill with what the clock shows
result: 5:17
